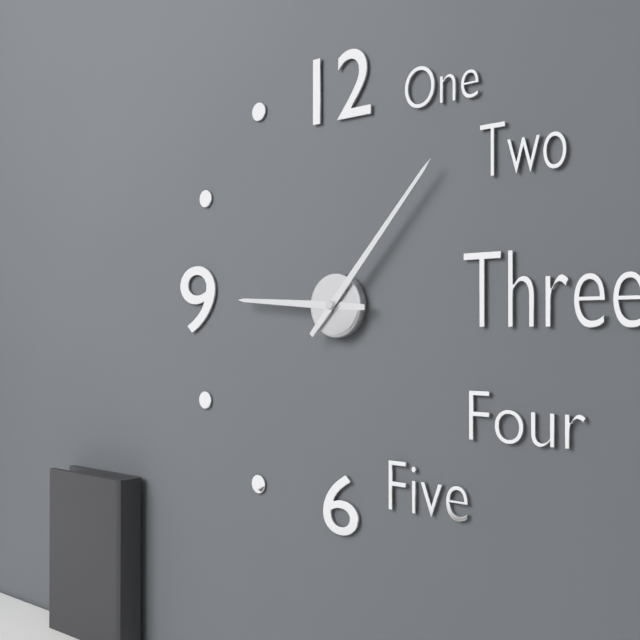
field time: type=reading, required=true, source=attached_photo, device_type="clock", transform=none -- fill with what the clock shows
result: 9:07
